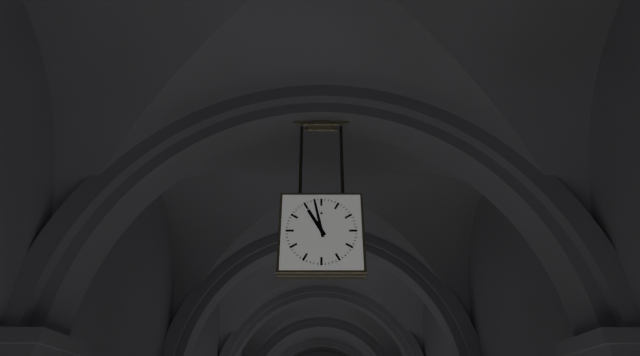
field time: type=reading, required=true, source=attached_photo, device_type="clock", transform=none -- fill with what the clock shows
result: 10:58
